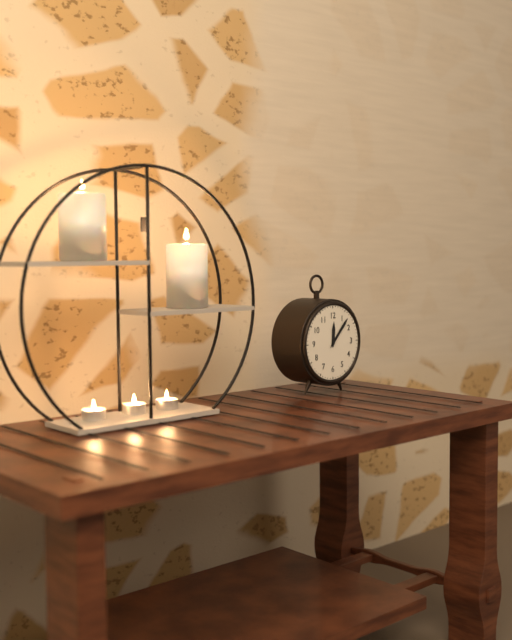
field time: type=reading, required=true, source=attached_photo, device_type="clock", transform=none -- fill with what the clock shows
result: 12:07
